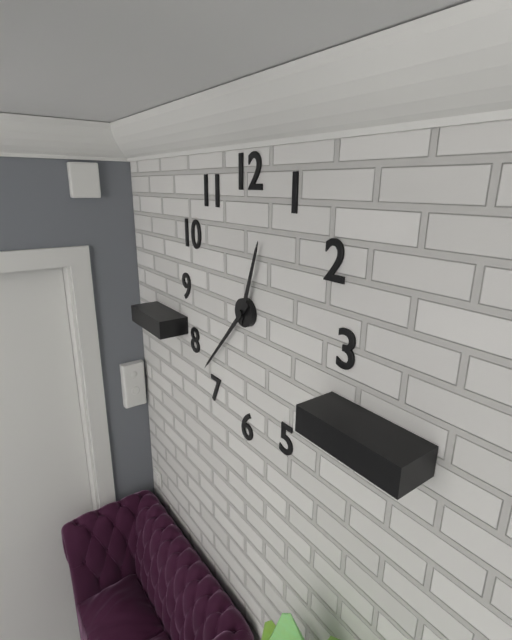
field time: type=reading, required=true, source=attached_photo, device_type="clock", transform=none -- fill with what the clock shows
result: 12:37
